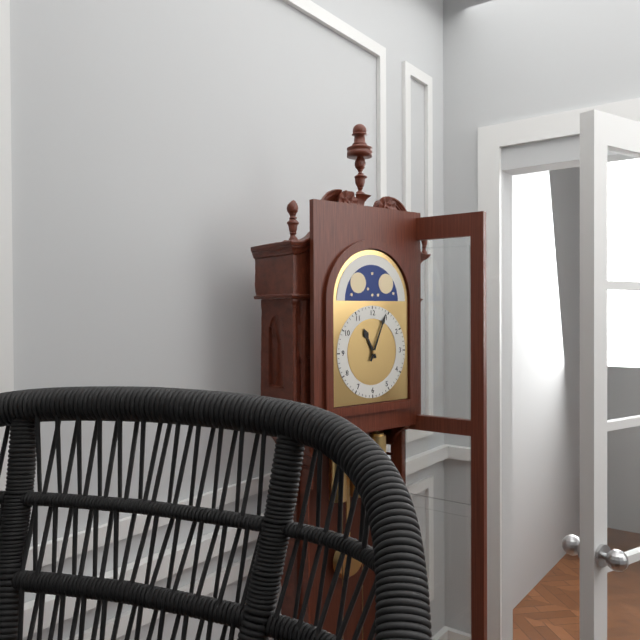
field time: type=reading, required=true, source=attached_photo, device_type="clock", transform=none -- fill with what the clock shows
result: 11:04
